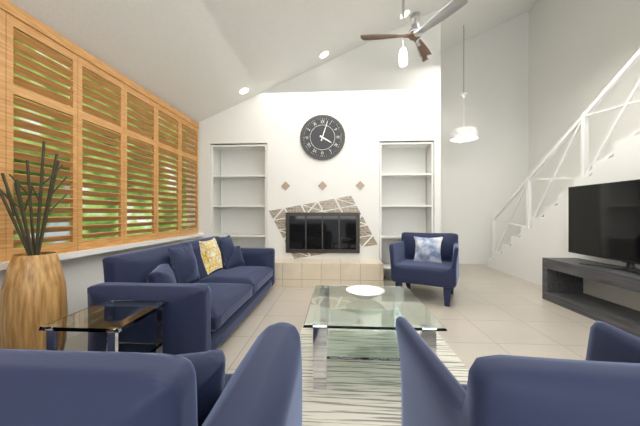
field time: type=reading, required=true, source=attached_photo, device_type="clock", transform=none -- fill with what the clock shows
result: 4:03
